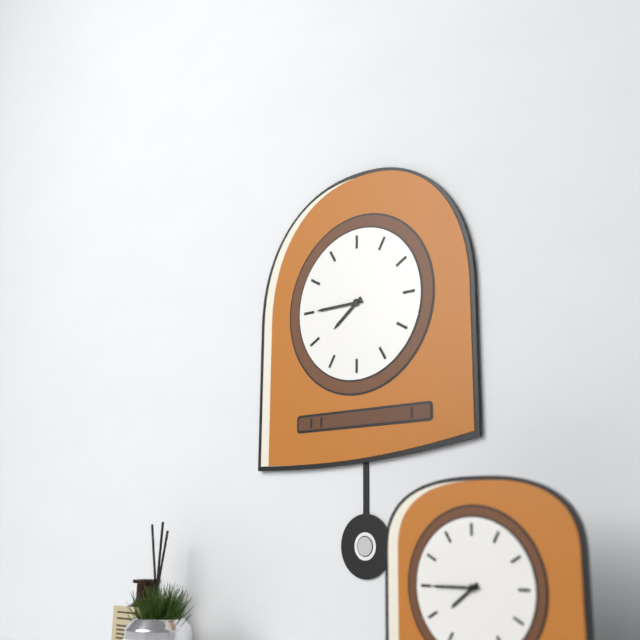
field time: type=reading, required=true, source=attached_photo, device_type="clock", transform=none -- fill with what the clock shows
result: 7:45
